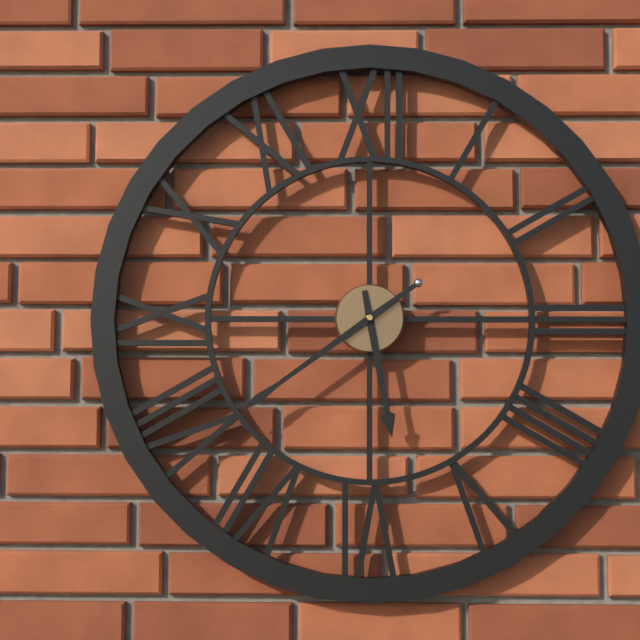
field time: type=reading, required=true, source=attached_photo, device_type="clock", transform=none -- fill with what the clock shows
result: 5:39
